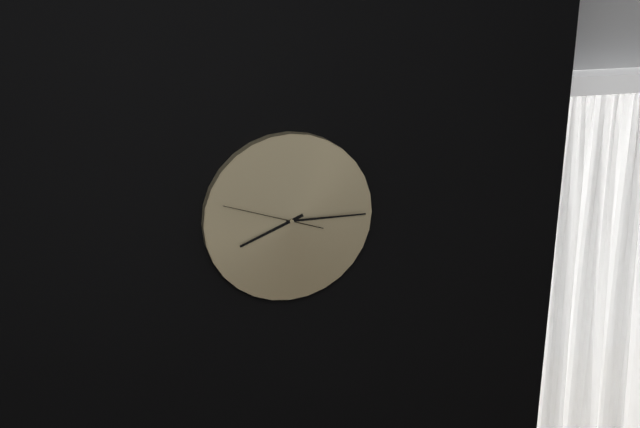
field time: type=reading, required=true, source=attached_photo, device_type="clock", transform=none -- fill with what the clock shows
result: 8:15:48
